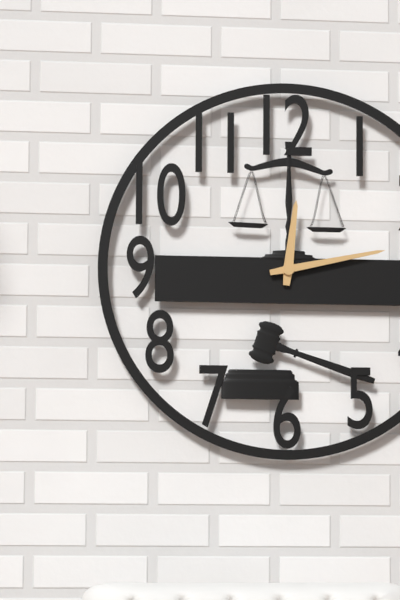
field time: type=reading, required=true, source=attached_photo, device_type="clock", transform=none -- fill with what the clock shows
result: 12:13
